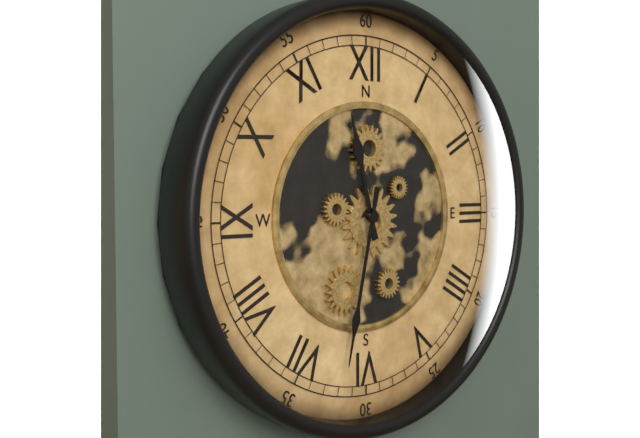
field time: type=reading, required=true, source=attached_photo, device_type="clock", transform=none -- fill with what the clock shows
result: 11:32
